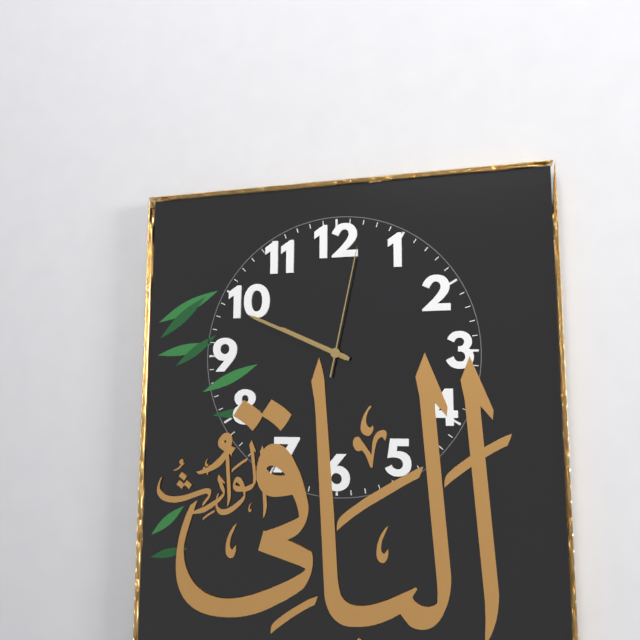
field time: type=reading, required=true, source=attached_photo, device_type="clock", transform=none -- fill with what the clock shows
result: 9:49:02
